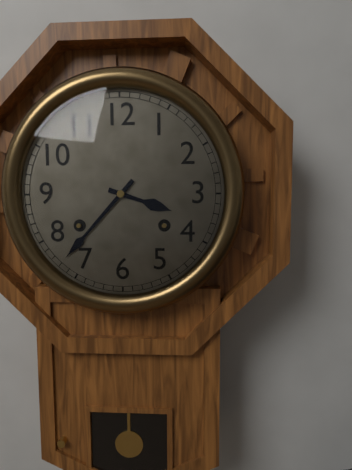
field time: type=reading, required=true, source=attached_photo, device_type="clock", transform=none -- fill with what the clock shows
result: 3:37
